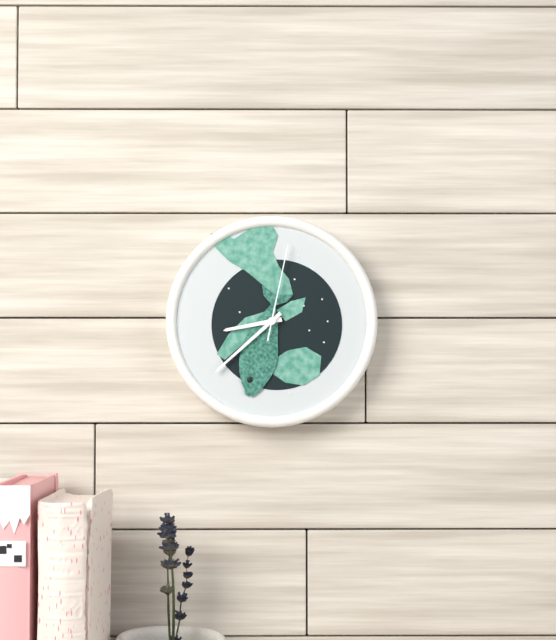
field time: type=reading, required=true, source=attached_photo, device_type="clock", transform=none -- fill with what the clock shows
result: 8:38:02
